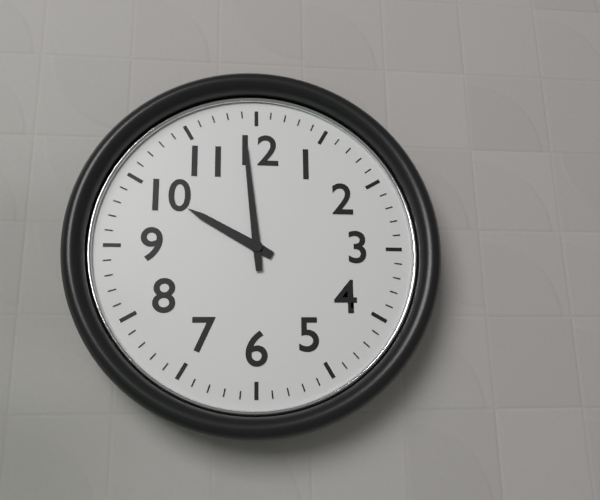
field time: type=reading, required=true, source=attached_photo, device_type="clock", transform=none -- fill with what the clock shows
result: 9:59
